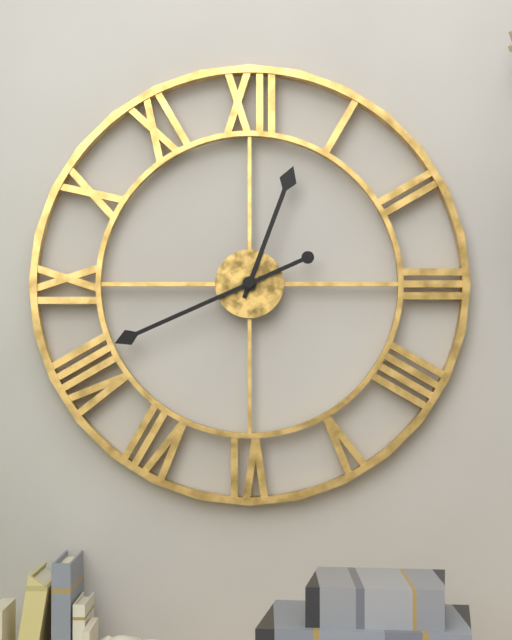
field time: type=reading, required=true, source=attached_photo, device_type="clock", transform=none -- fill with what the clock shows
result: 12:41
